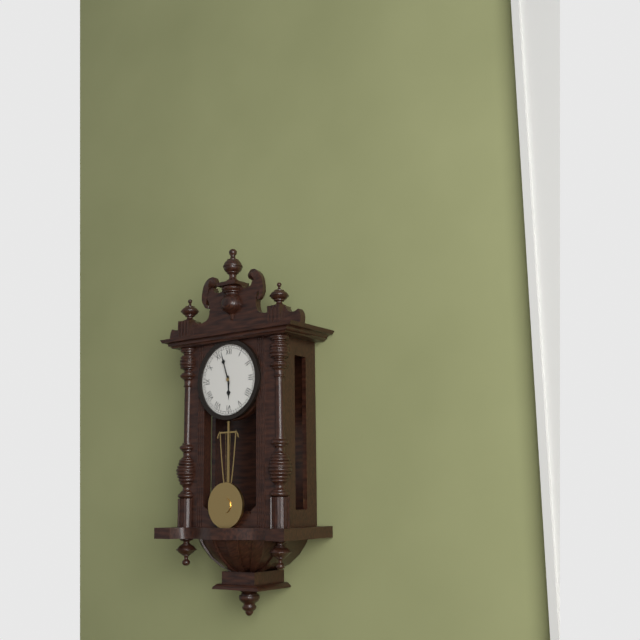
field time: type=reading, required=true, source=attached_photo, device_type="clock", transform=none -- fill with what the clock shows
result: 5:57
